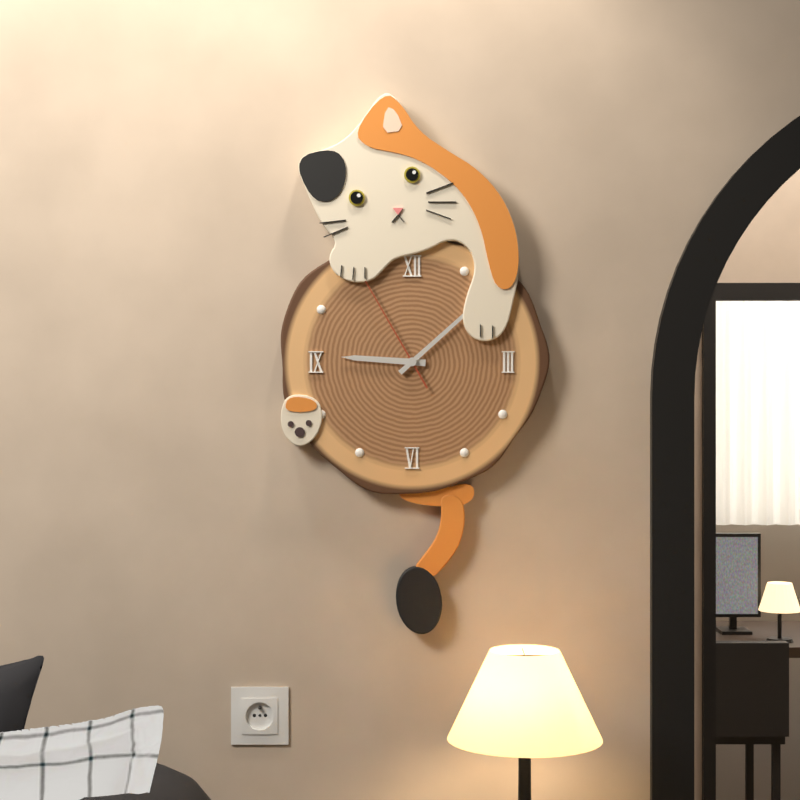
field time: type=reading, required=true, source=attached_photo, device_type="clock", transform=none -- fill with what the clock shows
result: 9:08:55
